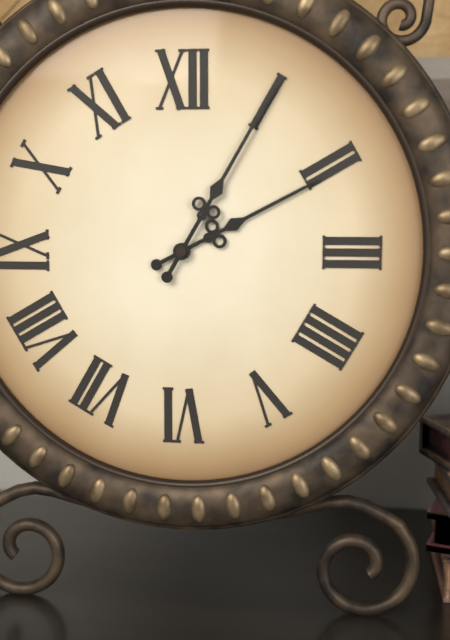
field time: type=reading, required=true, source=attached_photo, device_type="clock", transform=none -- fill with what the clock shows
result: 2:05
